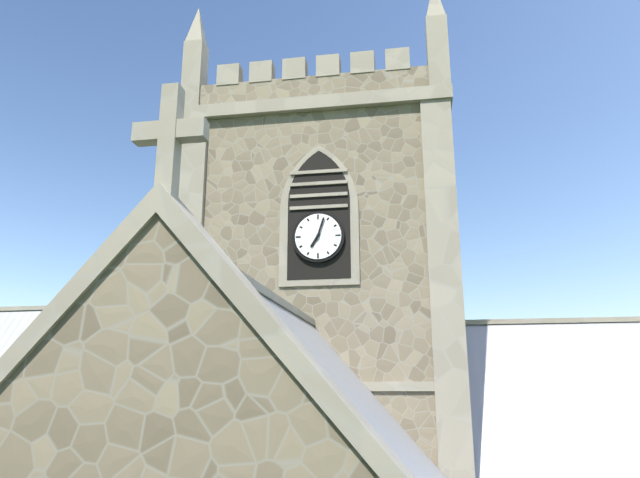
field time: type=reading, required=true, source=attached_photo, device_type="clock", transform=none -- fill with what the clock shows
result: 7:03
